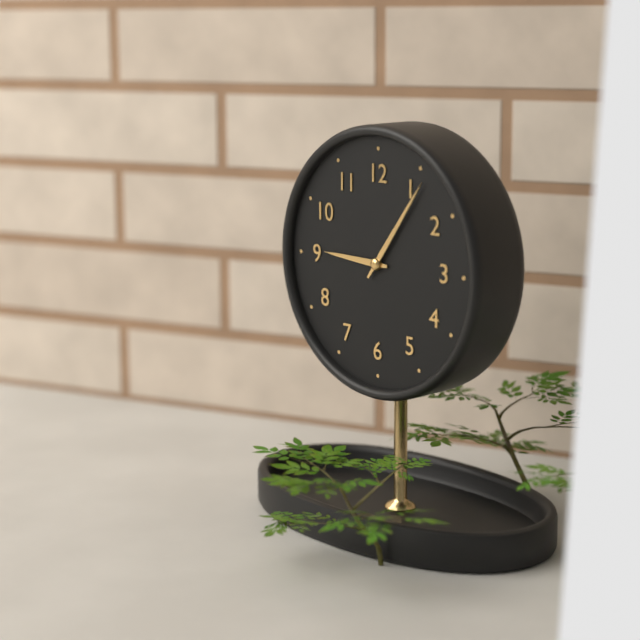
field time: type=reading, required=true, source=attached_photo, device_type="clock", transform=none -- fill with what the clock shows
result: 9:06
